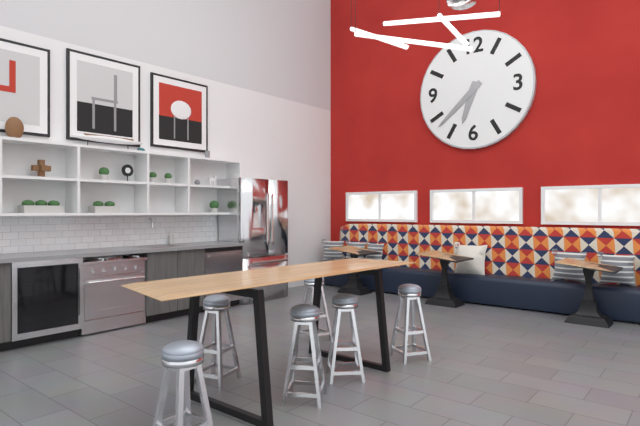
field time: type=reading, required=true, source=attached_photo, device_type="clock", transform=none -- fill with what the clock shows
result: 6:38
